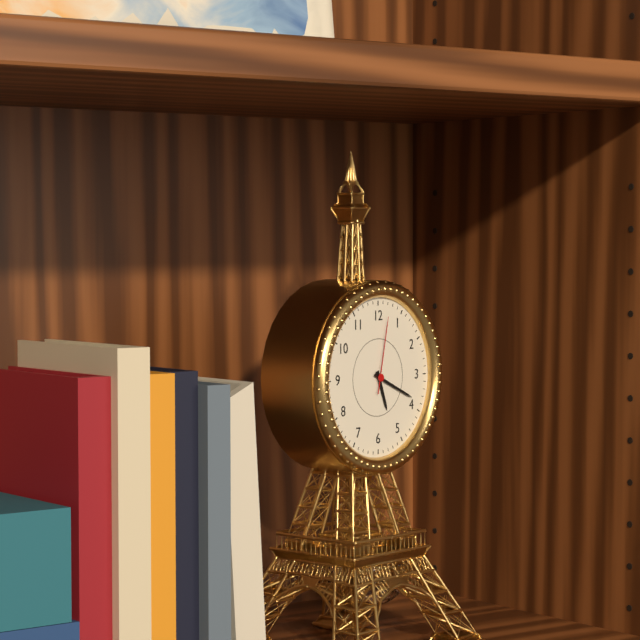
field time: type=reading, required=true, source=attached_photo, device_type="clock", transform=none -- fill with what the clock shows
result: 5:19:02
